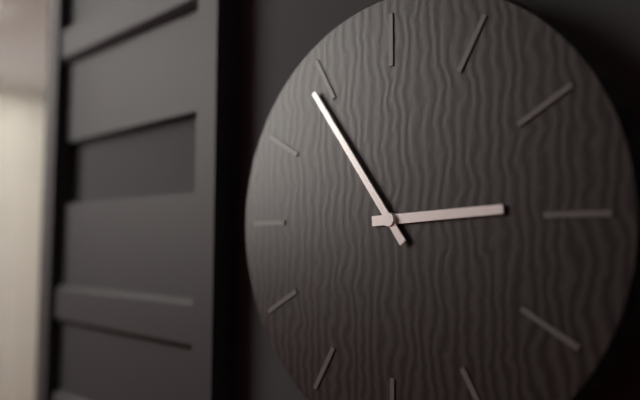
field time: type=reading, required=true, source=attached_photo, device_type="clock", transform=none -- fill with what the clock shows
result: 2:54
